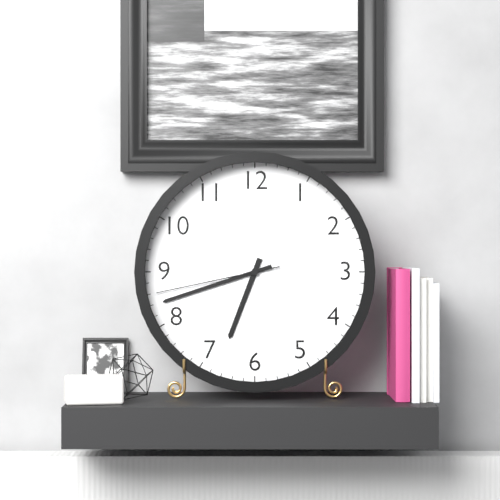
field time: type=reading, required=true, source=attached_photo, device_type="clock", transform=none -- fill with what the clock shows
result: 6:42:43
